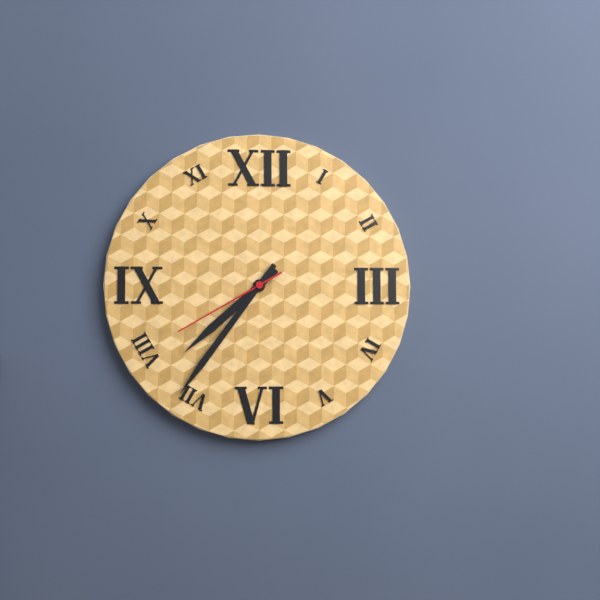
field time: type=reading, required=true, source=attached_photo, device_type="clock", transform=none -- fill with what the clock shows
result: 7:36:40
